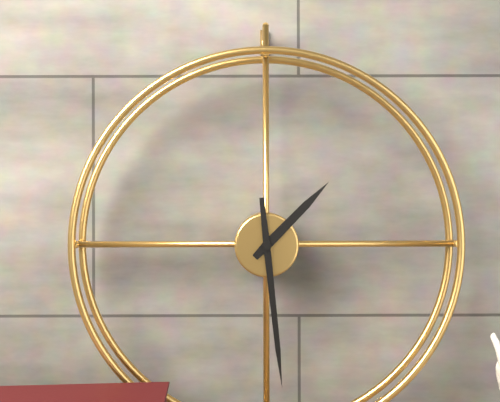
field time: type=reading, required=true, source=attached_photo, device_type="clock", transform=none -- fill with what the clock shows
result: 1:29
